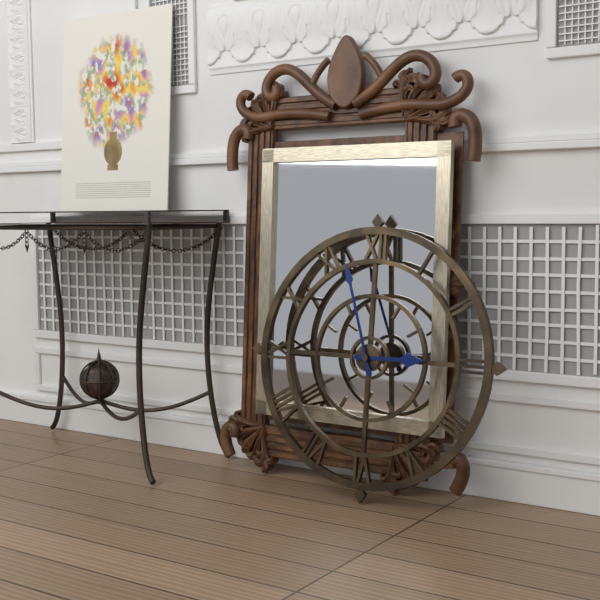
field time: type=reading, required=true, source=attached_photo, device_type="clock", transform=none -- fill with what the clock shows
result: 2:57
